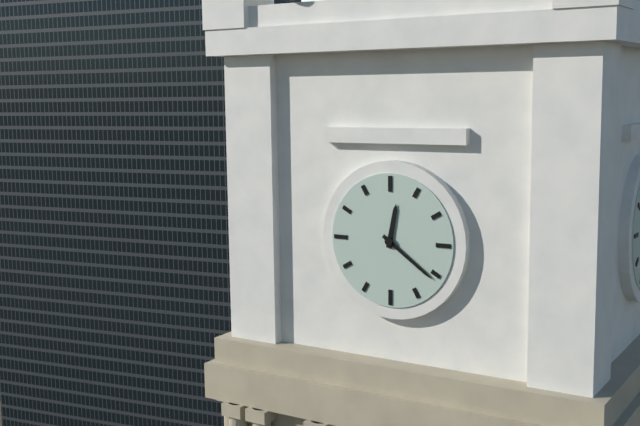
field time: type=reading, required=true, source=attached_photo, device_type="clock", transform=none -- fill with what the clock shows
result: 12:21
